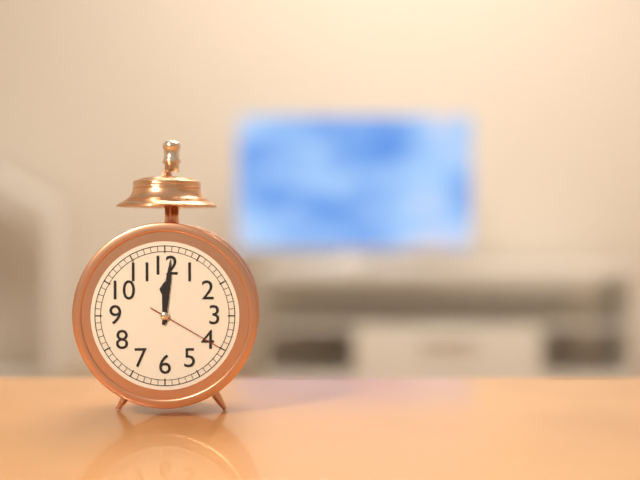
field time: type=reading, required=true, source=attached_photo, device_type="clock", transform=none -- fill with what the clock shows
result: 12:01:20
